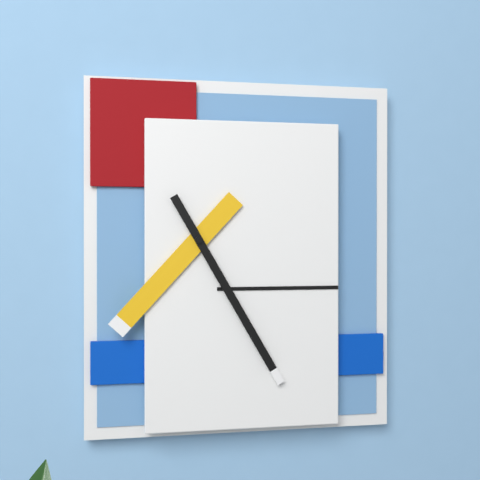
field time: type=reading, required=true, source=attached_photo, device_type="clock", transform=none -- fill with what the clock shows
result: 7:25
